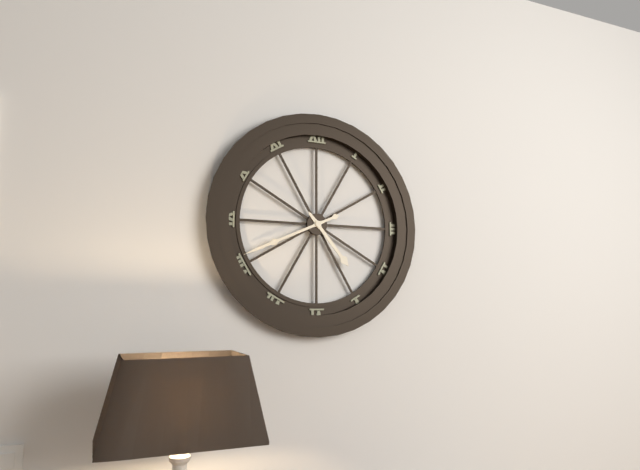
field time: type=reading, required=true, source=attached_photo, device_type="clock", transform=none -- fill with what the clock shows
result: 4:41
